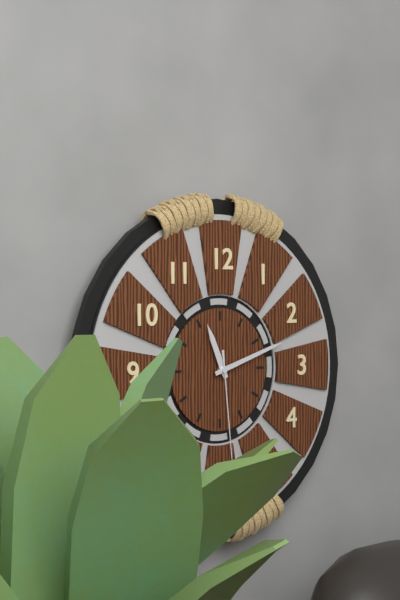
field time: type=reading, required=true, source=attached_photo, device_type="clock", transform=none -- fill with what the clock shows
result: 11:12:29
